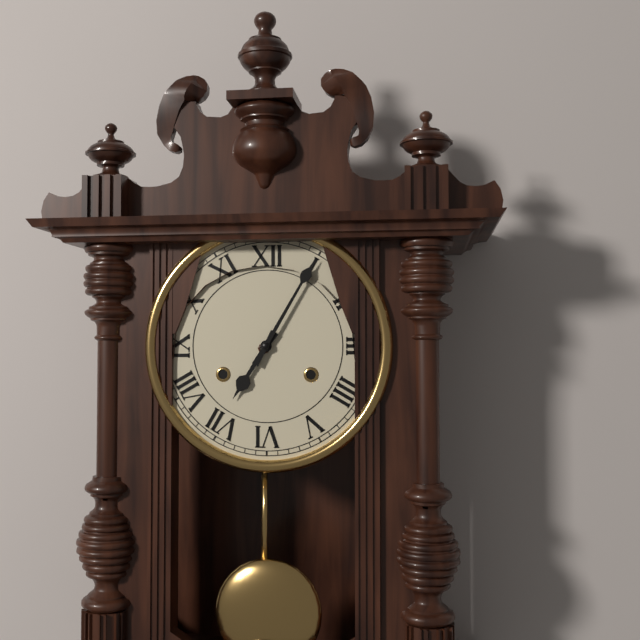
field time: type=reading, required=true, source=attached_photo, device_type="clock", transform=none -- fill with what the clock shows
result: 7:05
